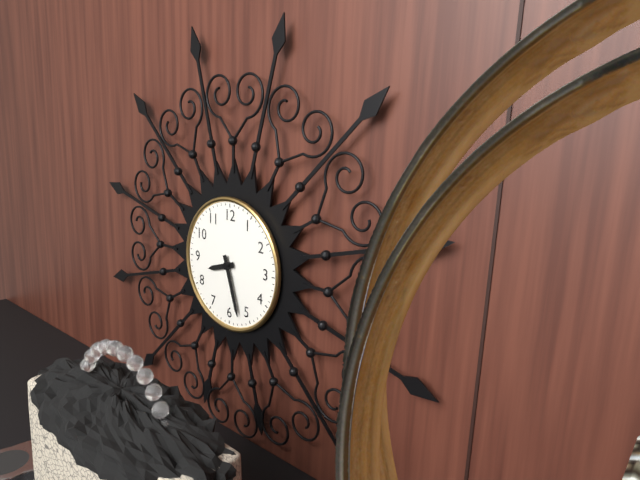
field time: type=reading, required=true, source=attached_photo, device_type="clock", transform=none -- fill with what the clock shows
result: 8:27
